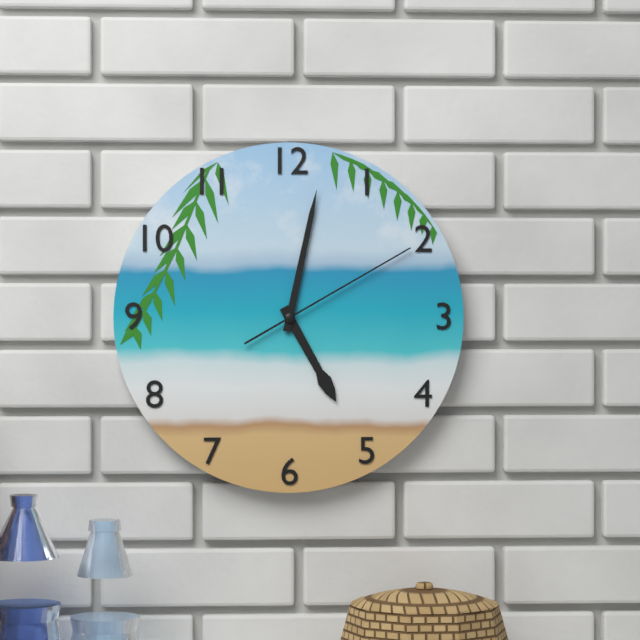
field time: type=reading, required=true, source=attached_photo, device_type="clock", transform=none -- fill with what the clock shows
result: 5:02:10
